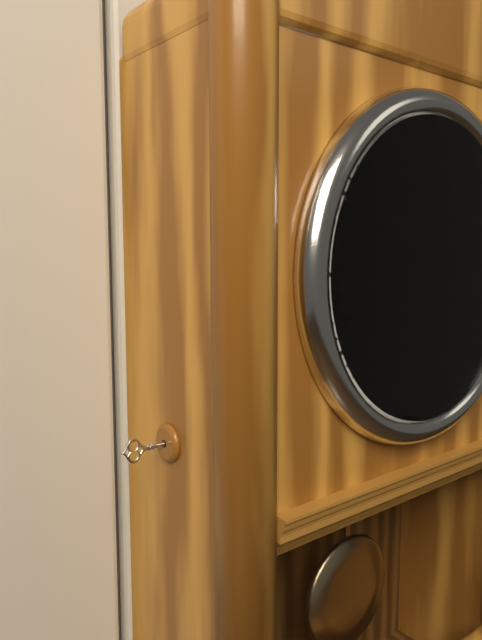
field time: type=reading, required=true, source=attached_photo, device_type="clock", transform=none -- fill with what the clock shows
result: 9:57
